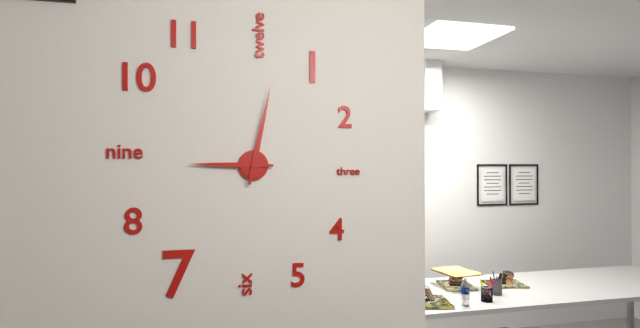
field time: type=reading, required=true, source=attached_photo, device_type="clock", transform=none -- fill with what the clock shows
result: 9:02
